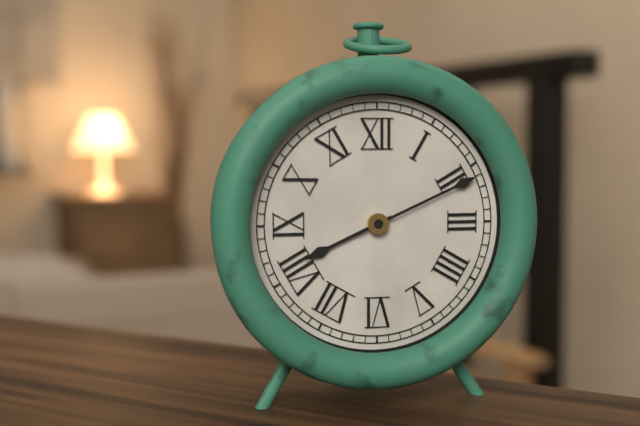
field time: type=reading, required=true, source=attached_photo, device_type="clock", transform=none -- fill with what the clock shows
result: 8:11
